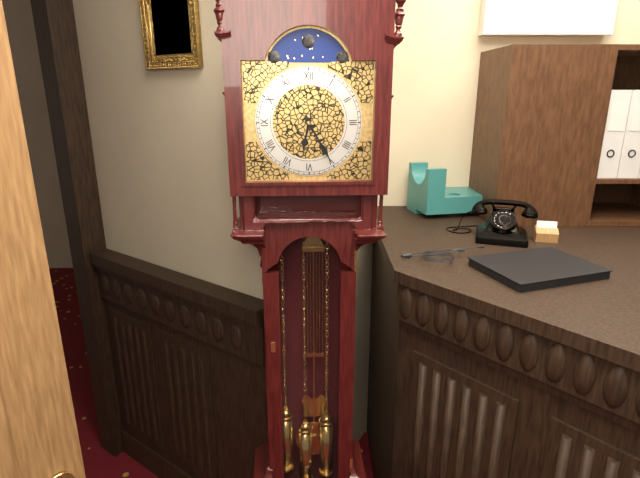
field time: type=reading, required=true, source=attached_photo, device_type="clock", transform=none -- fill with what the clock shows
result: 6:25
